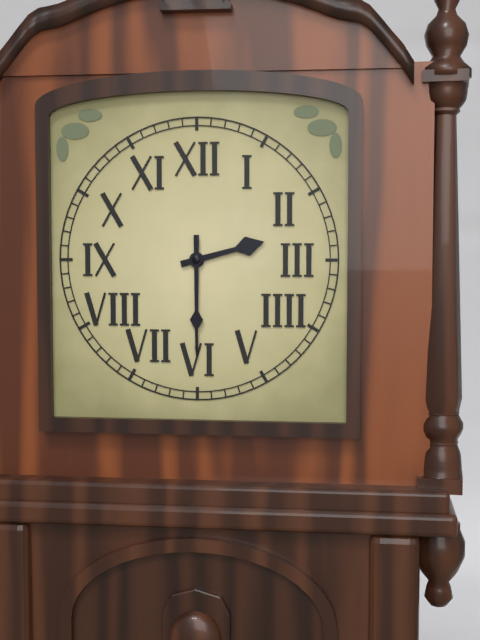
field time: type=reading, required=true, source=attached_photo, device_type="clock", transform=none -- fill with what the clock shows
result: 2:30
